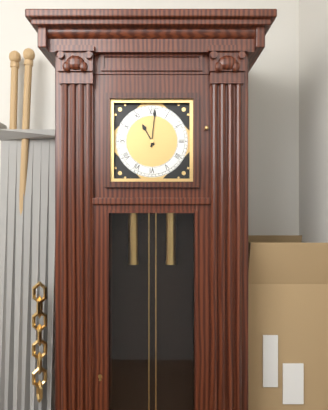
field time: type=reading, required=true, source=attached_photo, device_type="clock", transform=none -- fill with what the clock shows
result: 11:01
